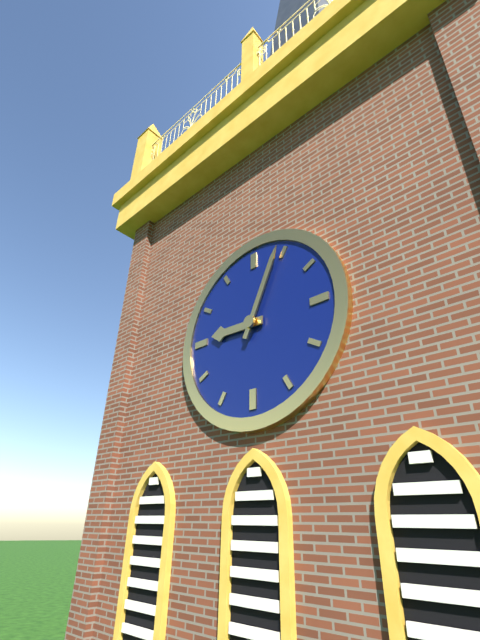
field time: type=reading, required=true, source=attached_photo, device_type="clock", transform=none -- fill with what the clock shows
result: 9:04
